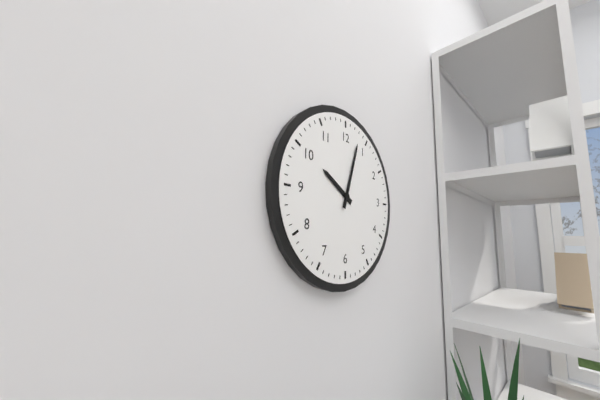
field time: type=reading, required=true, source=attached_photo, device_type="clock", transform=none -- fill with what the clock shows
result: 10:03
